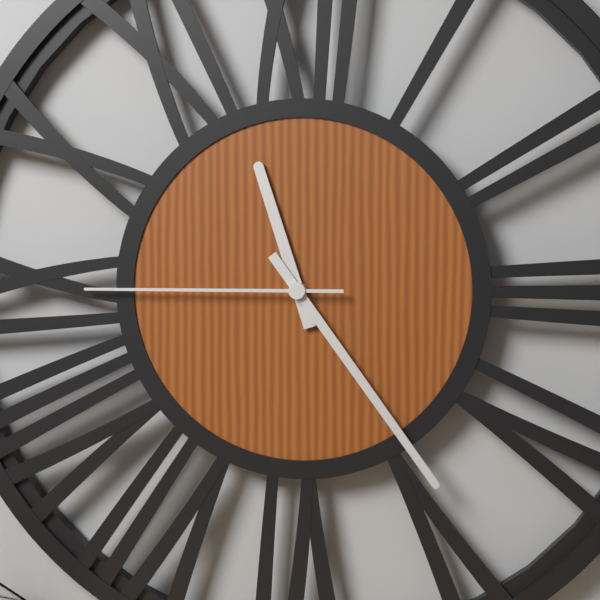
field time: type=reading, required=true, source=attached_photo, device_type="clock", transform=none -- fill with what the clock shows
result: 11:24:45
